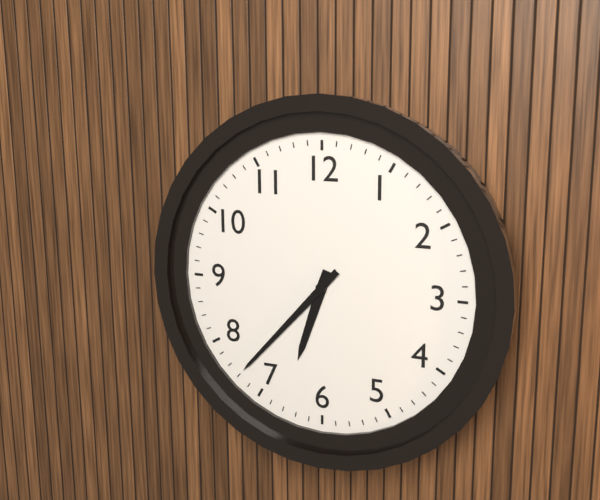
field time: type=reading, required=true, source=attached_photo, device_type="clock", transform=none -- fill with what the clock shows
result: 6:37
